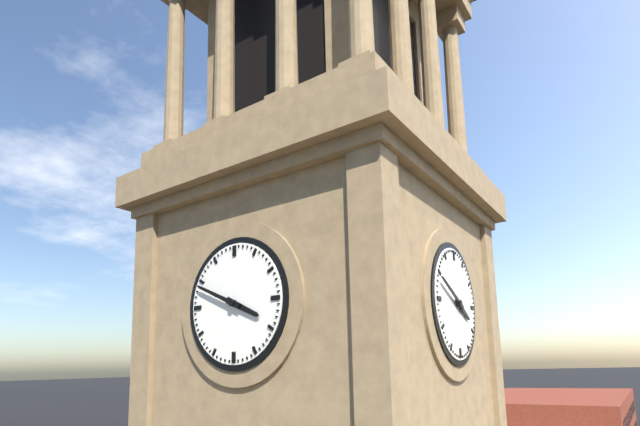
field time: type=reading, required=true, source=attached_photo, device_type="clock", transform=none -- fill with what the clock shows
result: 3:49
